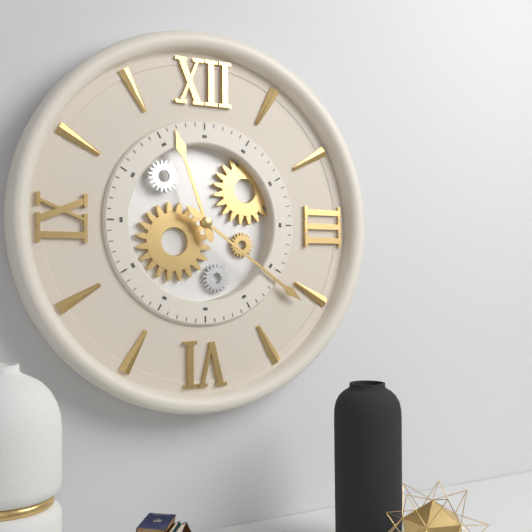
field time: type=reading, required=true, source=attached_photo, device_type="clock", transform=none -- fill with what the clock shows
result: 11:21
